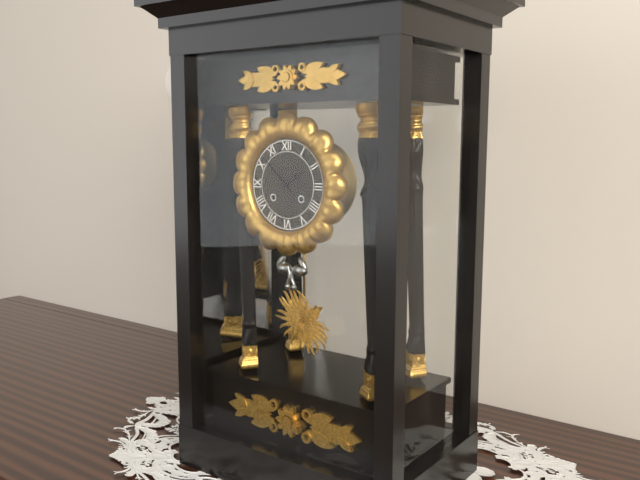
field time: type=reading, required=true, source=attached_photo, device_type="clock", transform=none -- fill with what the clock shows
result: 1:52
